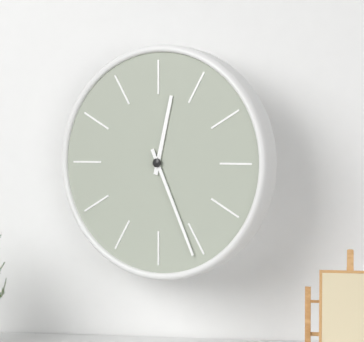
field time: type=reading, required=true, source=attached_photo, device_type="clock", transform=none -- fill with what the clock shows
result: 12:26
